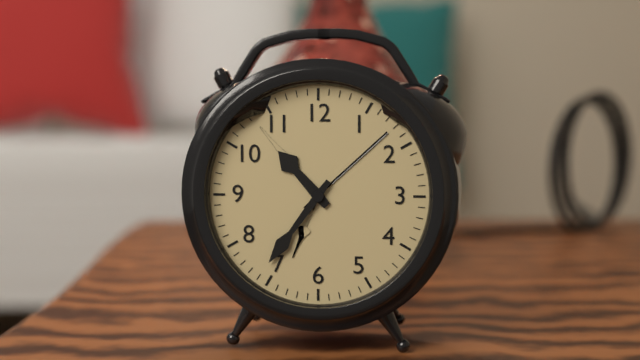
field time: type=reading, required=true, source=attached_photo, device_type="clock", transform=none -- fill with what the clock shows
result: 10:36
